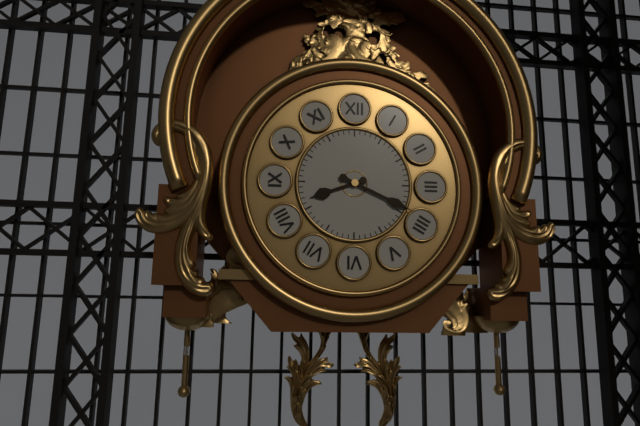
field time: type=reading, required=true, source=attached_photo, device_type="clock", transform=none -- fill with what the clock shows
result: 8:19
